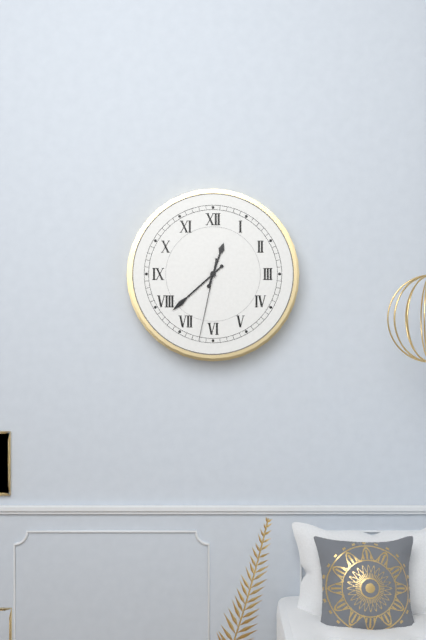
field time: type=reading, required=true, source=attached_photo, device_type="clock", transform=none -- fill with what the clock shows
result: 12:38:32
